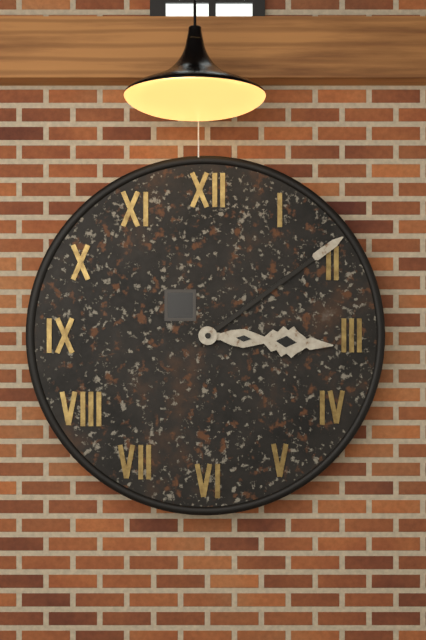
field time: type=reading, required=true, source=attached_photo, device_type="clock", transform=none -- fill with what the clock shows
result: 3:09
